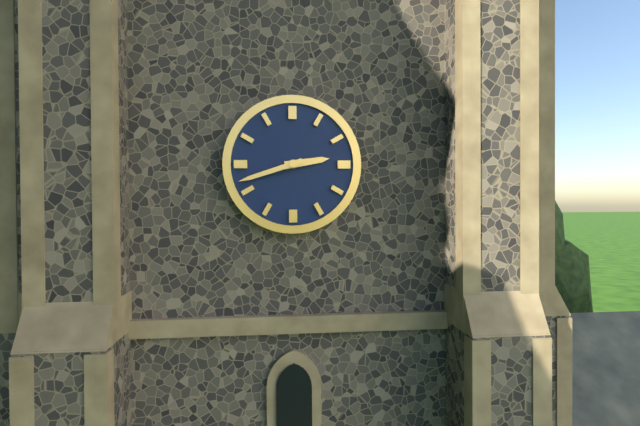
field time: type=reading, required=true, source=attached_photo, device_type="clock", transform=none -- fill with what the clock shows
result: 2:42
